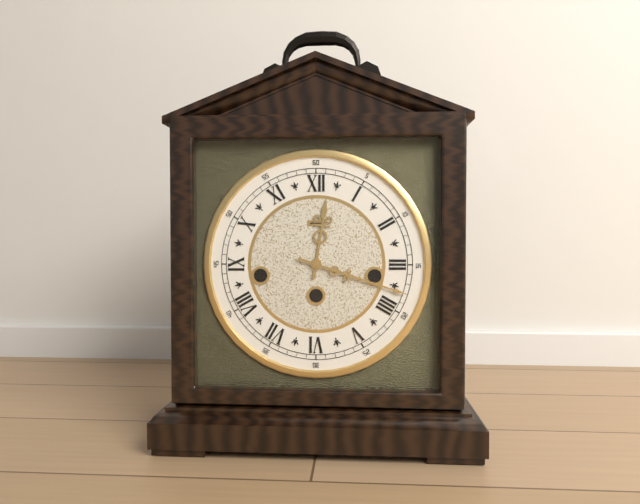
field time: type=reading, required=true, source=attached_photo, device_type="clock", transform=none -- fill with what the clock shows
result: 12:18
